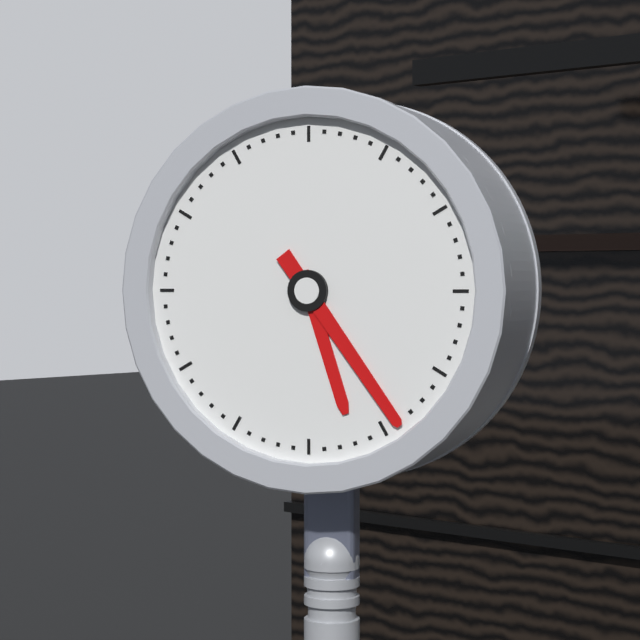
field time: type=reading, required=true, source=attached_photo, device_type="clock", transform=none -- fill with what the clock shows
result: 5:24
